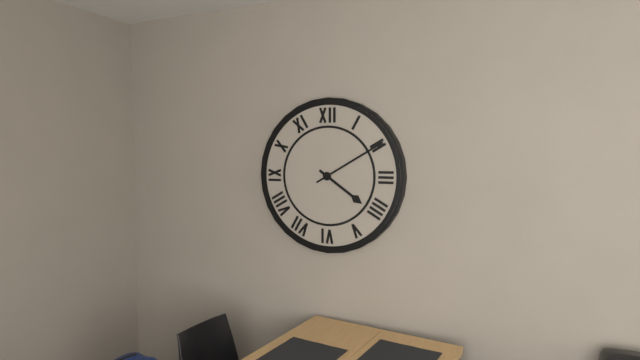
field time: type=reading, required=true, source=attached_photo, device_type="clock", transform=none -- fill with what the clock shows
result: 4:10
